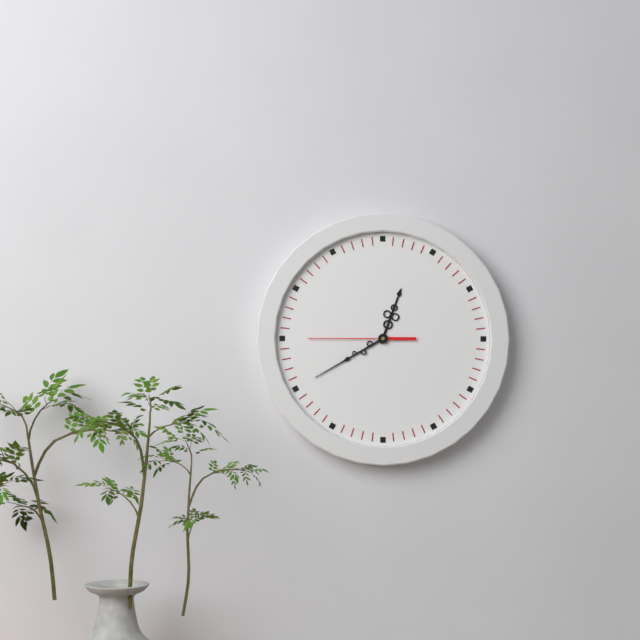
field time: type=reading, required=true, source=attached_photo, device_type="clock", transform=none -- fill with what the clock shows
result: 12:40:45
